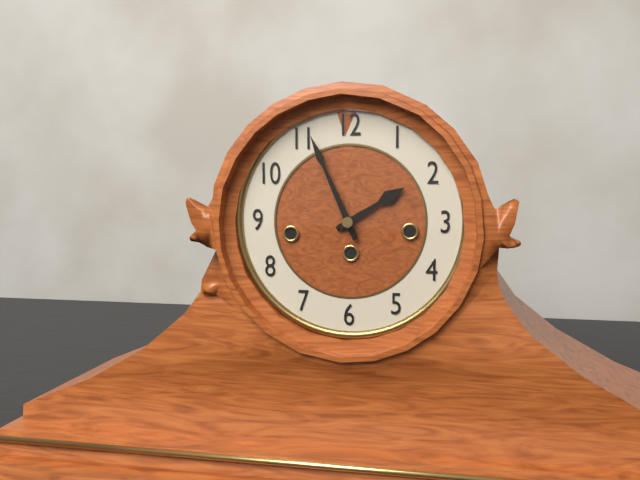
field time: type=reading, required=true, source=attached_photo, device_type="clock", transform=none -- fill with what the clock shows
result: 1:56
